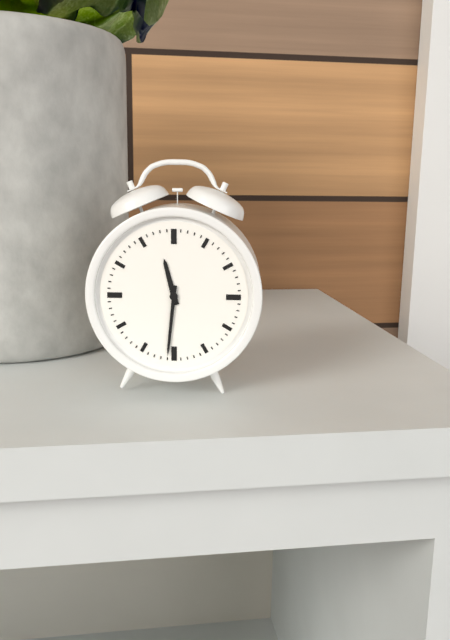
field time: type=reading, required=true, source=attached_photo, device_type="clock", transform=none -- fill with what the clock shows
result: 11:31
